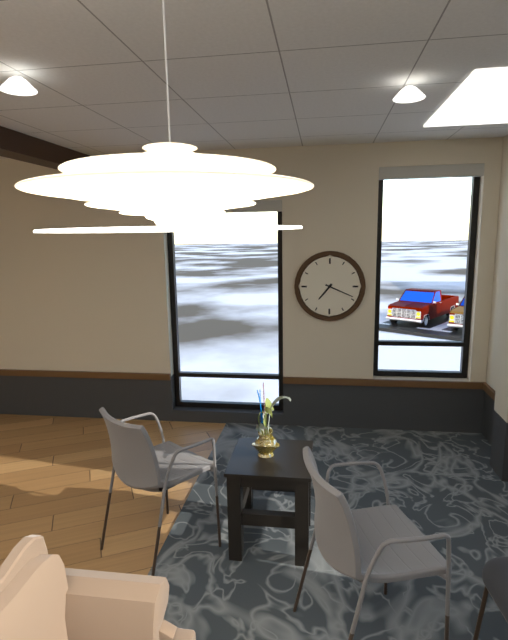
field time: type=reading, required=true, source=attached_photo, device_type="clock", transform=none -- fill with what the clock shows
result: 7:19
